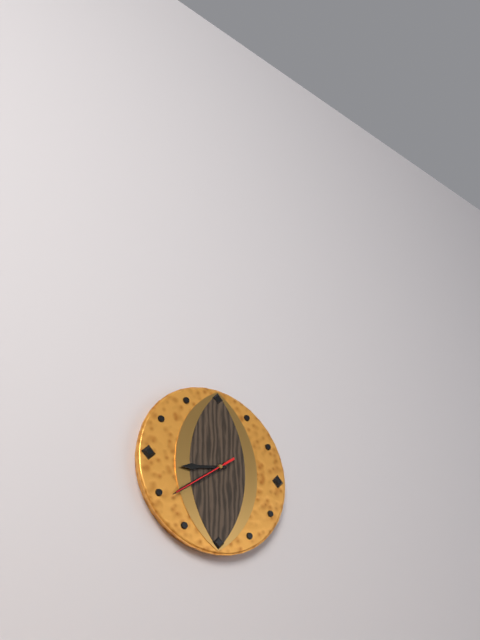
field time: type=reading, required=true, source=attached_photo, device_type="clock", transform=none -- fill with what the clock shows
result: 8:39
